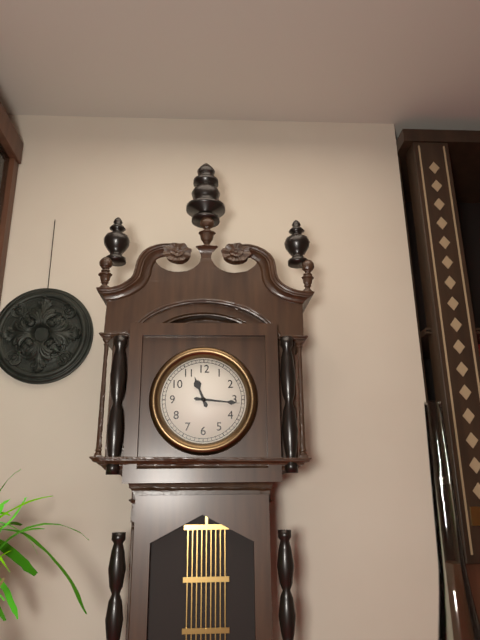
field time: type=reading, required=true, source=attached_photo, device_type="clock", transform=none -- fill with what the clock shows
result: 11:16
